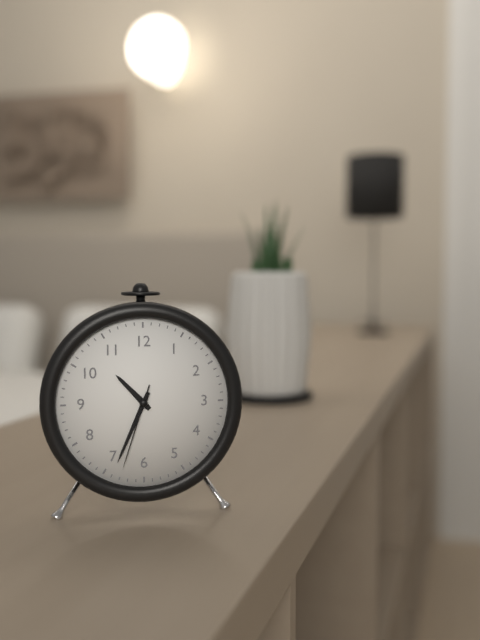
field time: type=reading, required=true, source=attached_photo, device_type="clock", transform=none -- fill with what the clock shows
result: 10:34:33
